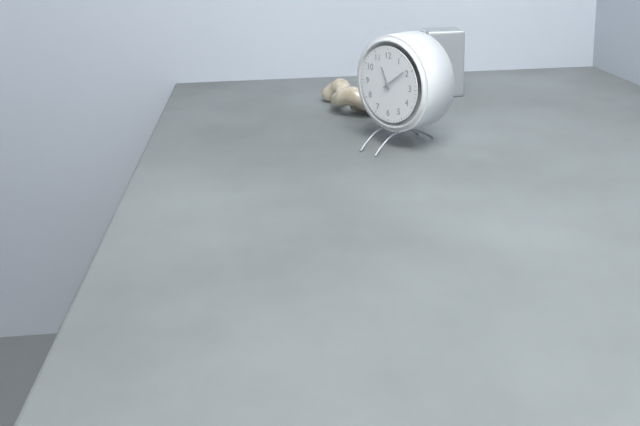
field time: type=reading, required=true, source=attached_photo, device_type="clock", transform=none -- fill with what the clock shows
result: 11:09
